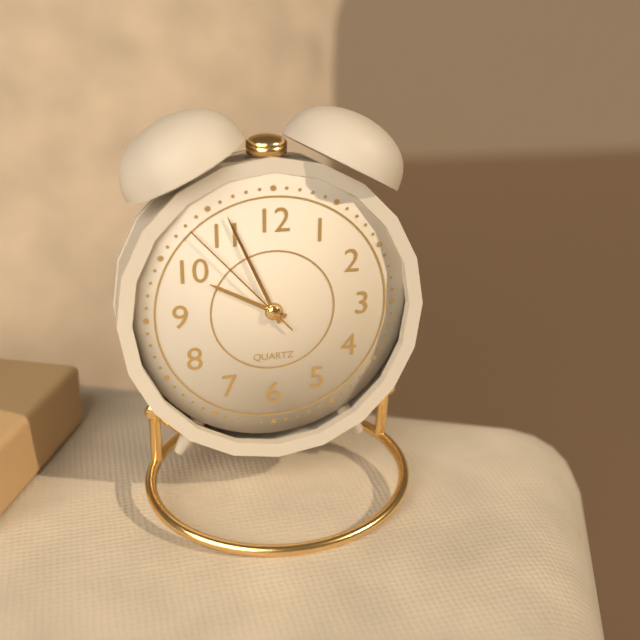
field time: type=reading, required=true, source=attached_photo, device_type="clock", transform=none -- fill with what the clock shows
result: 9:56:53
